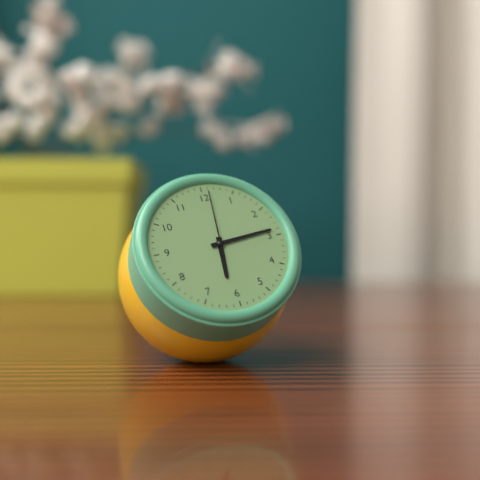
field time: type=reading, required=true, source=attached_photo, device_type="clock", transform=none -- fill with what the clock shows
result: 6:14:01
